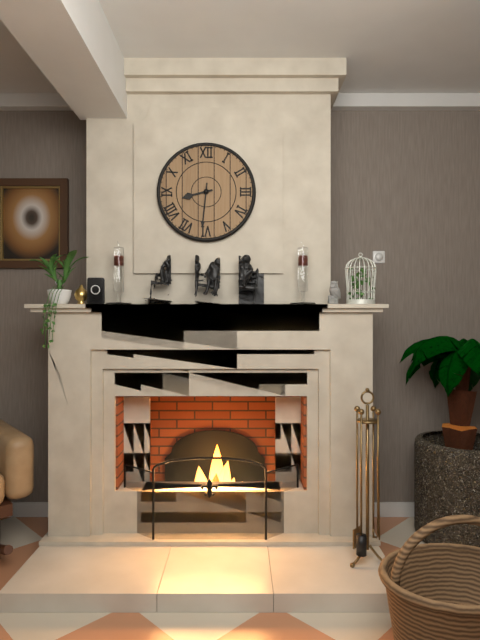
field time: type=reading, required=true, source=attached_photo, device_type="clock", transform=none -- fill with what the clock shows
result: 8:31
